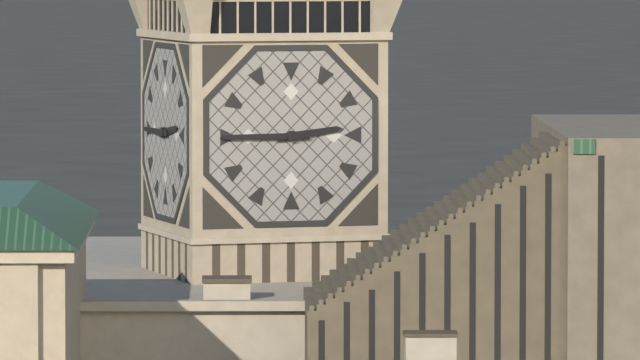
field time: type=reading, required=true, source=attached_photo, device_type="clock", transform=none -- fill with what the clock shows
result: 2:45
